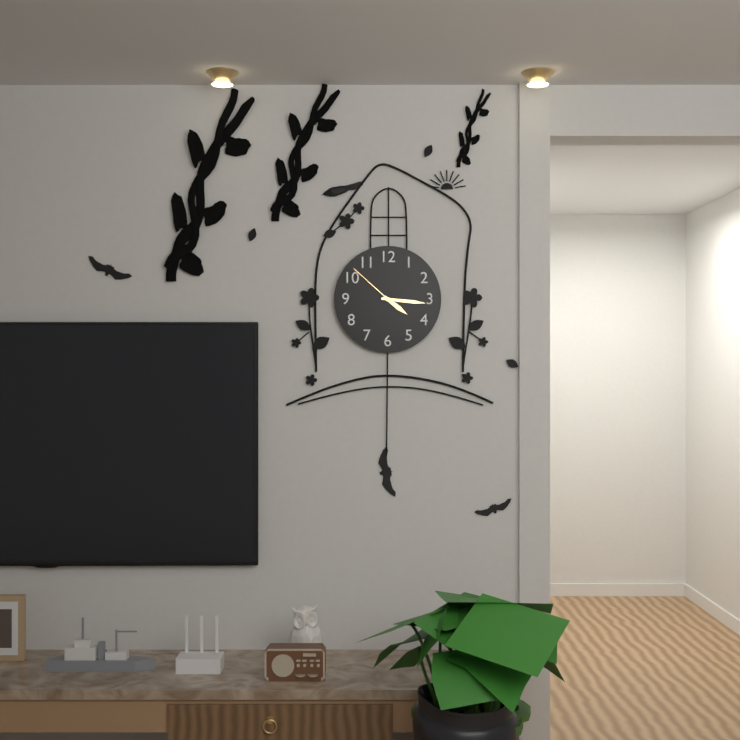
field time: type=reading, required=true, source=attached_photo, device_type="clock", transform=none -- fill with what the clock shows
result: 4:16:52
